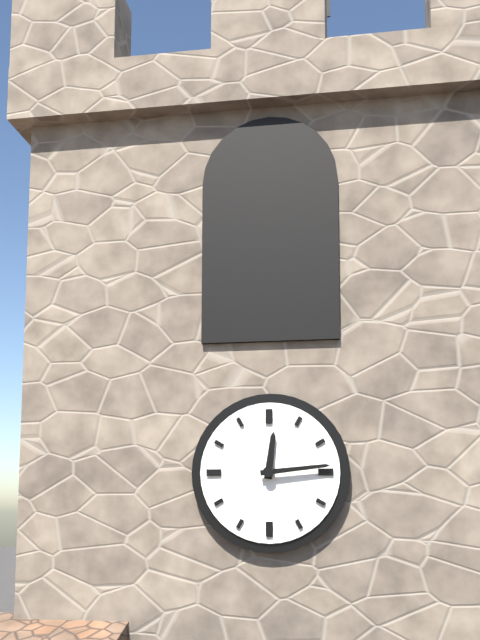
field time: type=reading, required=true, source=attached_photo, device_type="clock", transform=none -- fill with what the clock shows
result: 12:14
